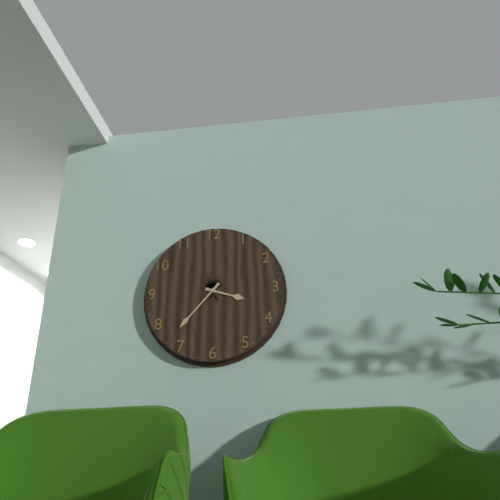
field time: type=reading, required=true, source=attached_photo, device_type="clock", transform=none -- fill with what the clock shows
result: 3:37
